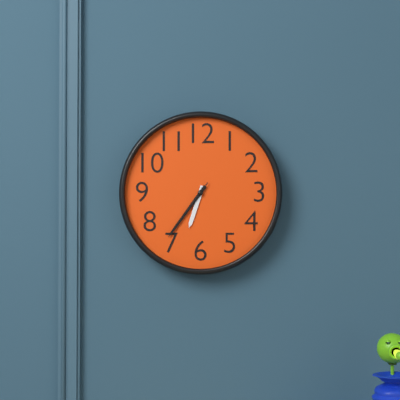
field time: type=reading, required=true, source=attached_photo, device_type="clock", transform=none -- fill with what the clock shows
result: 6:36:36
